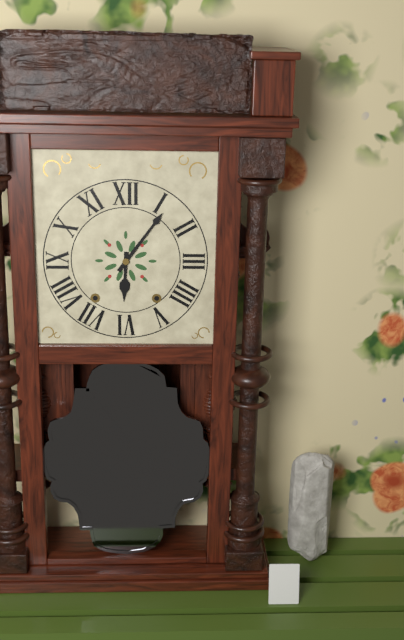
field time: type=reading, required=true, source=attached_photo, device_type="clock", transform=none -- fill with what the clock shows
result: 6:06
